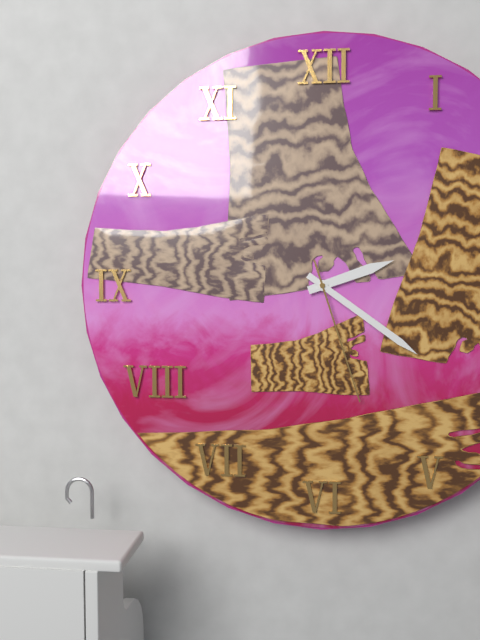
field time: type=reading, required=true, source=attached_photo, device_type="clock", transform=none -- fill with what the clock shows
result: 2:21:27
